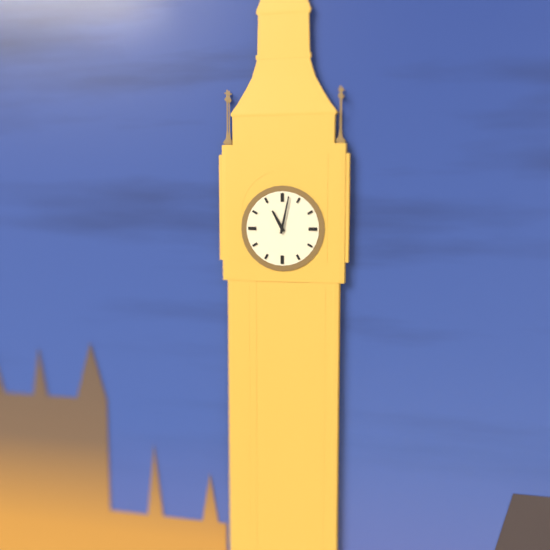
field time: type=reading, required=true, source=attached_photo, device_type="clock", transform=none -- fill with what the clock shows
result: 11:02
